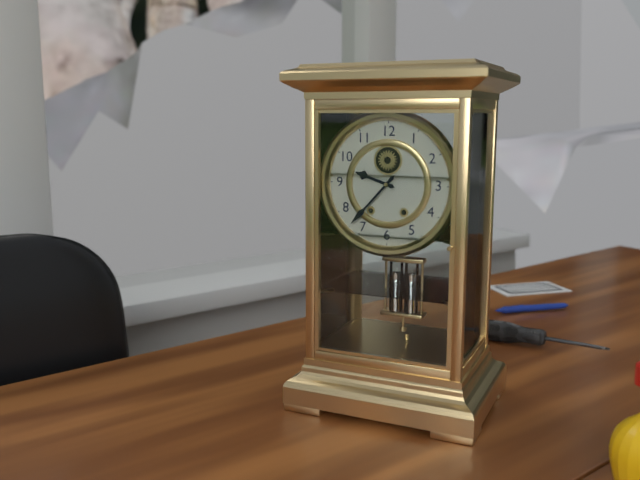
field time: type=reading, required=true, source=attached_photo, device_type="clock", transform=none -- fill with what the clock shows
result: 9:37
